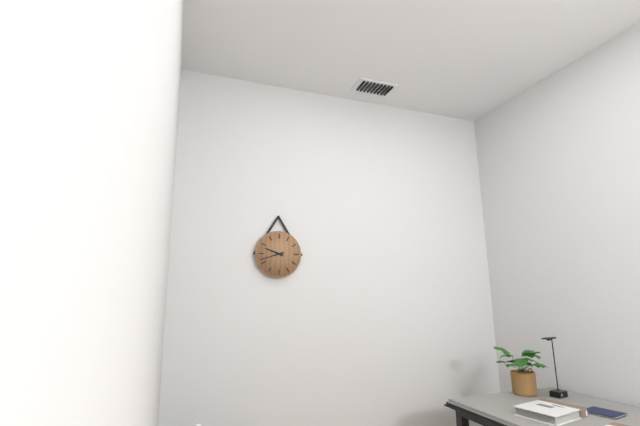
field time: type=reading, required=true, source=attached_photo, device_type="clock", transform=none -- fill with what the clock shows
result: 9:42
